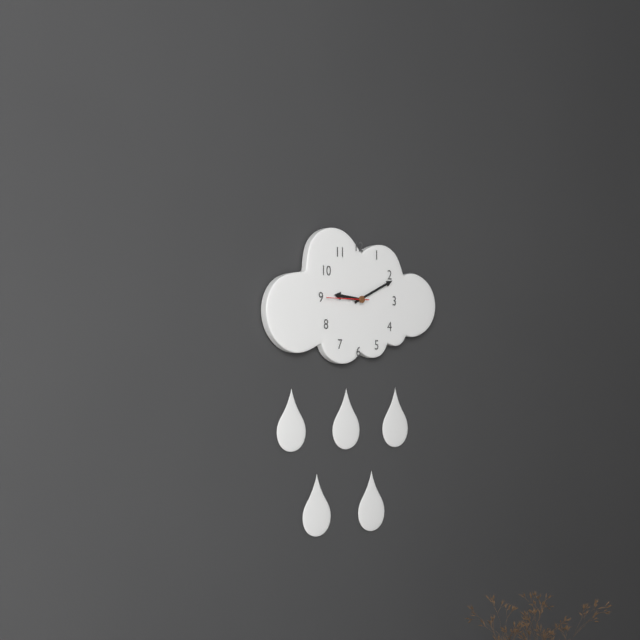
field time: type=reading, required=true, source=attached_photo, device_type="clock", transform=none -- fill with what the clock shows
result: 9:11
